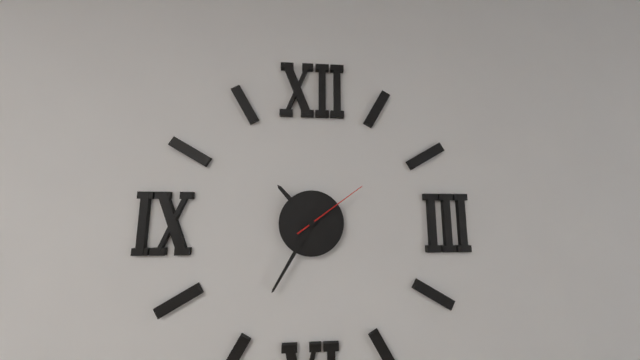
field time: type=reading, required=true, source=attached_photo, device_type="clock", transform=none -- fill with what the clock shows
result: 10:35:09
